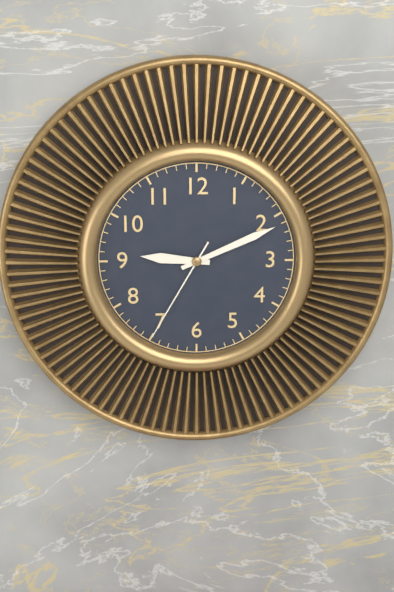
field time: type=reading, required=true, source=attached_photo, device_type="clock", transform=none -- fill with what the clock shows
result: 9:11:35
